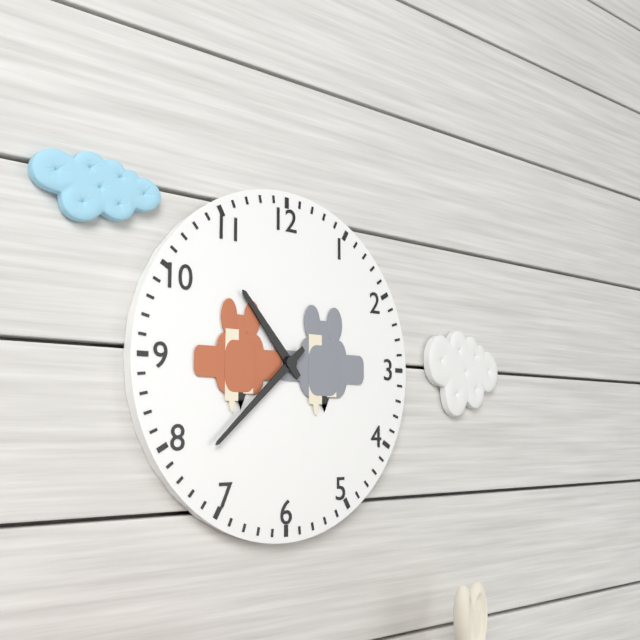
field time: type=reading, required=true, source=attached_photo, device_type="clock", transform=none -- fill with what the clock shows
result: 10:38
